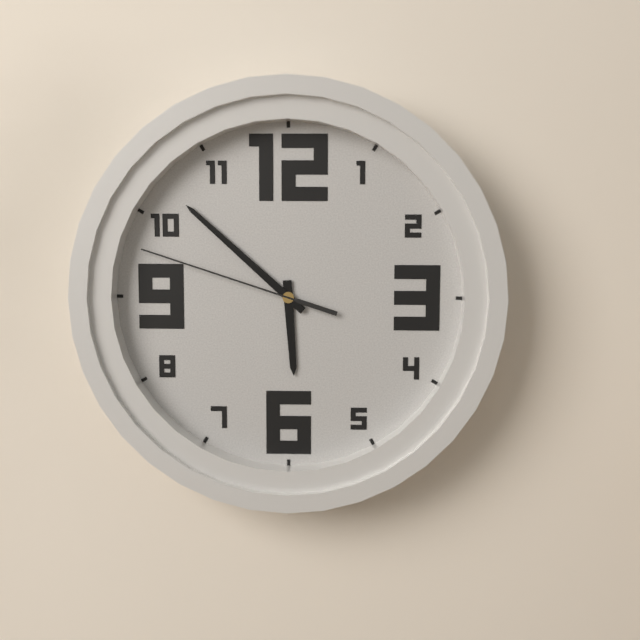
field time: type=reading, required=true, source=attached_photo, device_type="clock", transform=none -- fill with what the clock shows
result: 5:52:48
